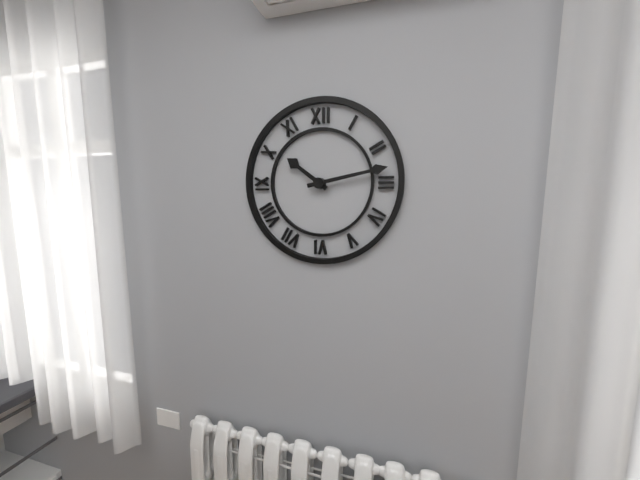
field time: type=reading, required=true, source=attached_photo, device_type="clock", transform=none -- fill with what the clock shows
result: 10:13
